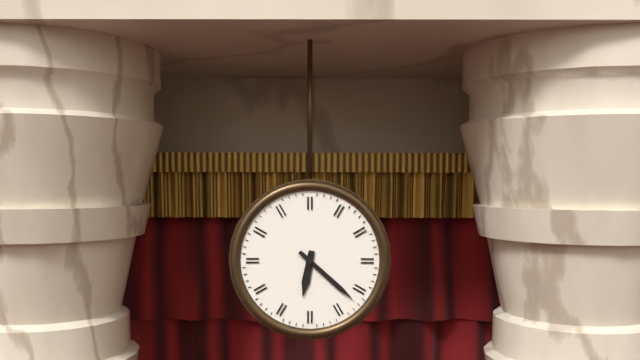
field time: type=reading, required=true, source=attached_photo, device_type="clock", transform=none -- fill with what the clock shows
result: 6:22
